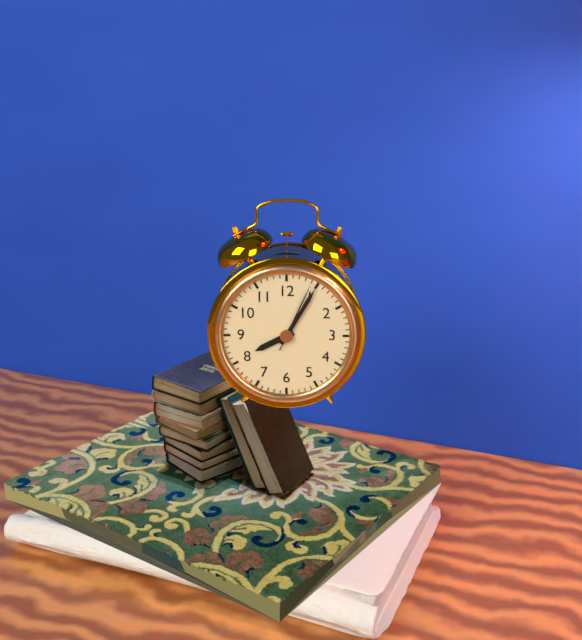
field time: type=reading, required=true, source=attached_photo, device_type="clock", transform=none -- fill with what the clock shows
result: 8:05:04
